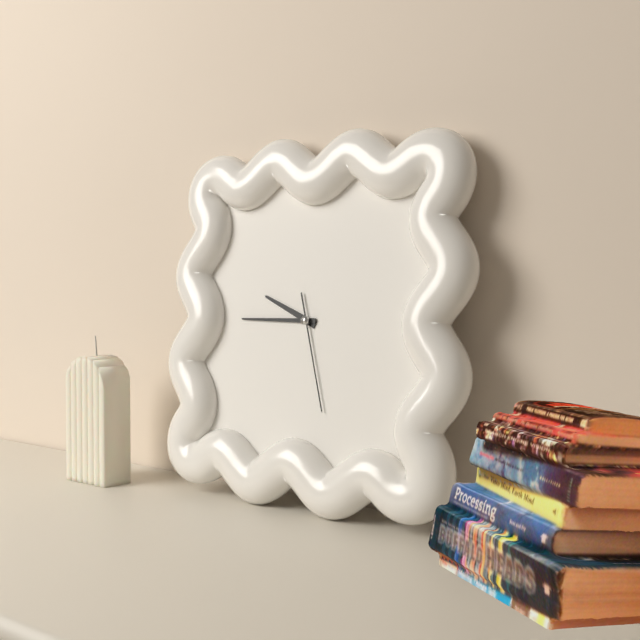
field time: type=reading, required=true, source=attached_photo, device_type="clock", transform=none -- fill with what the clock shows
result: 9:45:27
